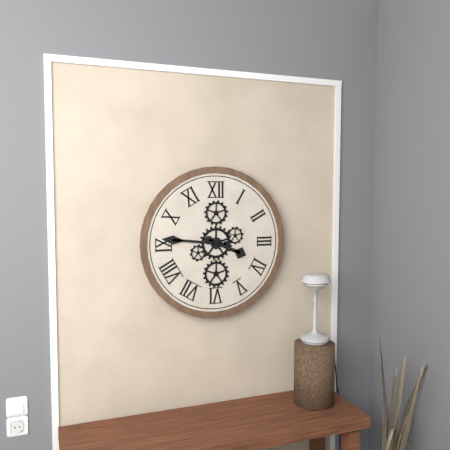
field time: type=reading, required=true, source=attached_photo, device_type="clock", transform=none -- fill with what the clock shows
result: 3:46
